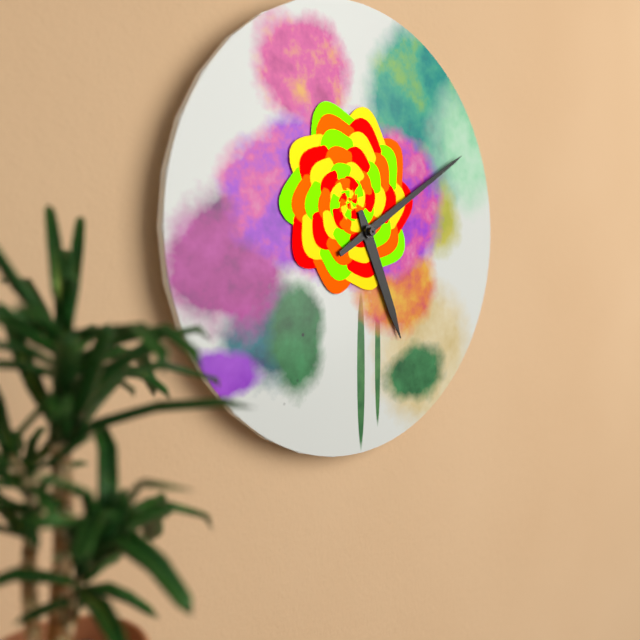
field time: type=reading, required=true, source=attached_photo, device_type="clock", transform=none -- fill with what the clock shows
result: 5:10
